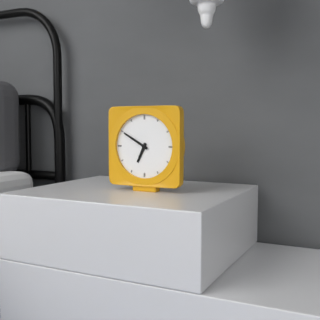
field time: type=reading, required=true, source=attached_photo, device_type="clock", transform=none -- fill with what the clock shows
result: 6:50
